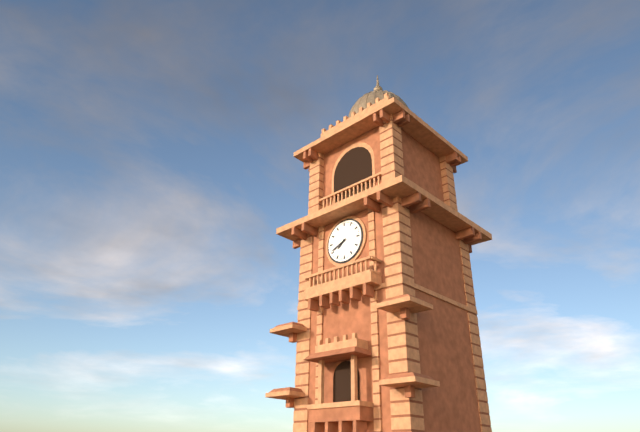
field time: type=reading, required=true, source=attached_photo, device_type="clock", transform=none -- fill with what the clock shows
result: 7:41
